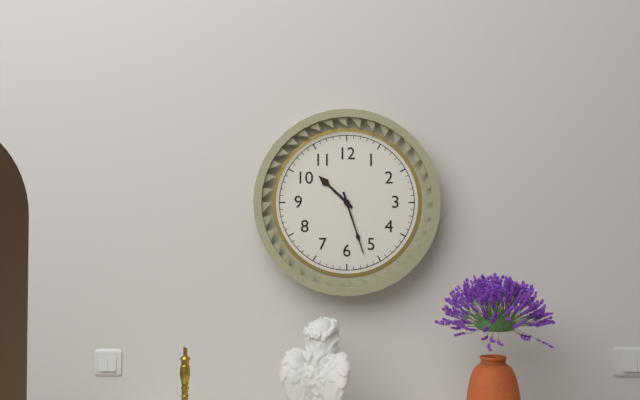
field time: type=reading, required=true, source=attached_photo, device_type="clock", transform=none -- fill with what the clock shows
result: 10:27
